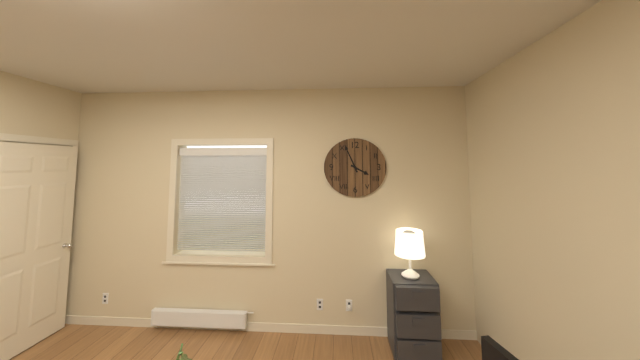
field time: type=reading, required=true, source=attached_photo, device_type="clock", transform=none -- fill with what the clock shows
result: 3:56
